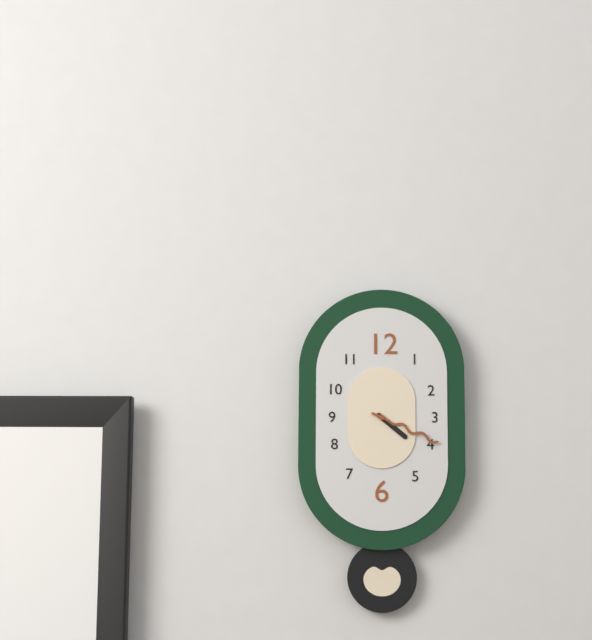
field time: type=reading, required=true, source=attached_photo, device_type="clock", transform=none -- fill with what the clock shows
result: 4:19
